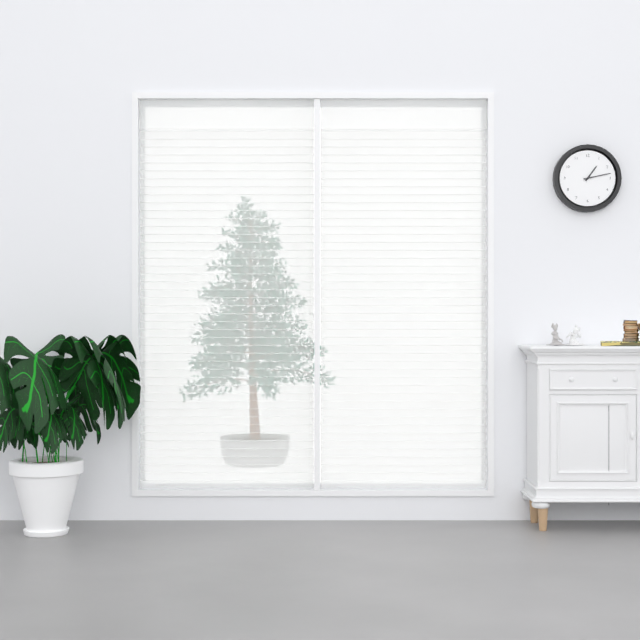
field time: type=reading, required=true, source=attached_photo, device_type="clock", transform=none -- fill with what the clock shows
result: 1:13
